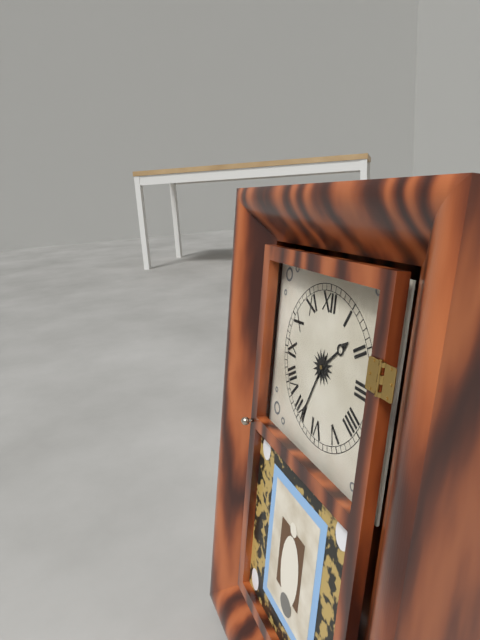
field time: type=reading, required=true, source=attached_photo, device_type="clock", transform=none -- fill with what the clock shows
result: 1:34
